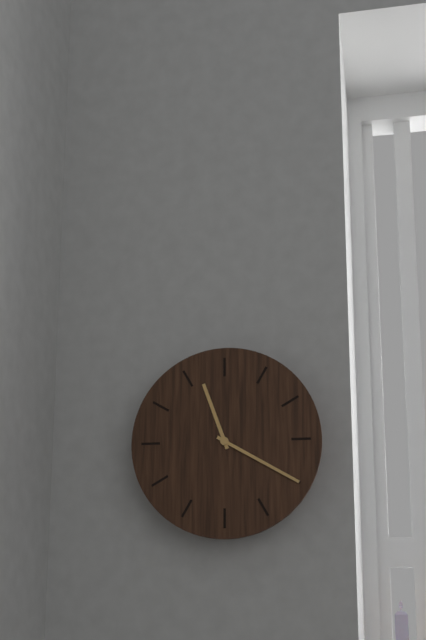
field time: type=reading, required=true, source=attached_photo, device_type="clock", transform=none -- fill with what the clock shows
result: 11:20
